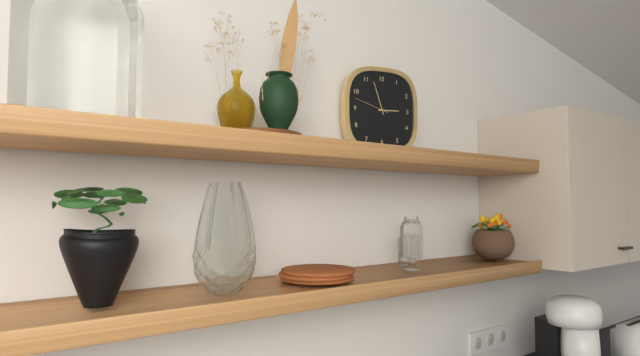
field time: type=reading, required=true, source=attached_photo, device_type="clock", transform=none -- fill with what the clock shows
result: 2:57
